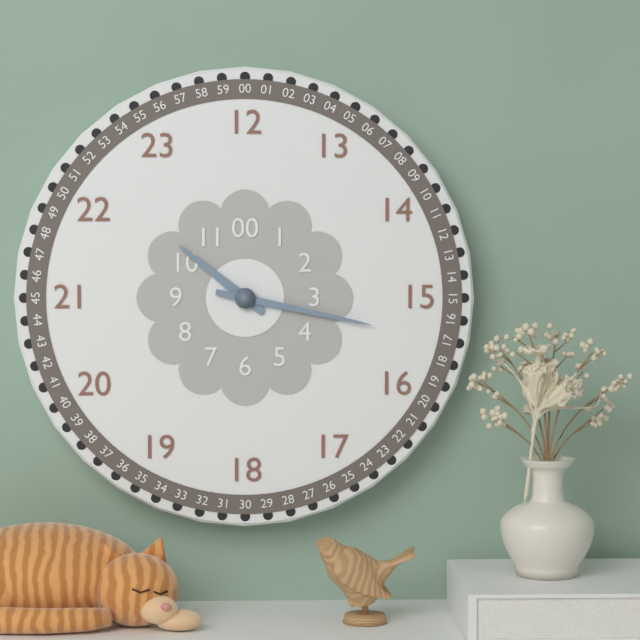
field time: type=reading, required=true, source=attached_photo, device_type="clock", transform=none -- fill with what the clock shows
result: 10:17
